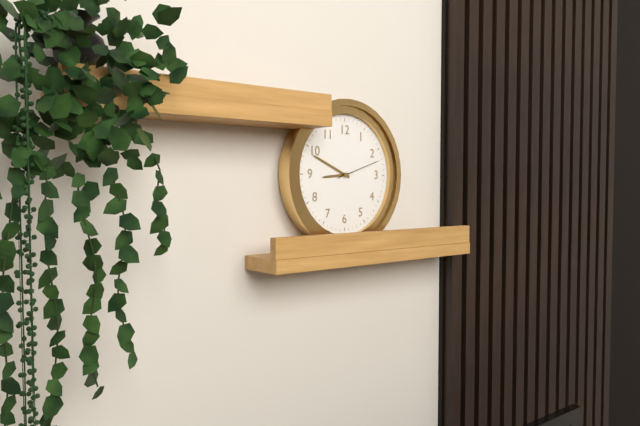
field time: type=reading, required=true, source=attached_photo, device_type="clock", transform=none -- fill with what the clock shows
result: 8:49
